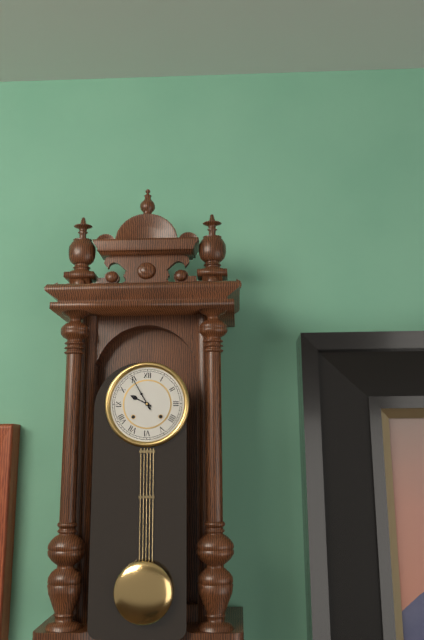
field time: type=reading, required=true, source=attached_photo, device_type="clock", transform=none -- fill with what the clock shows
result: 9:55
